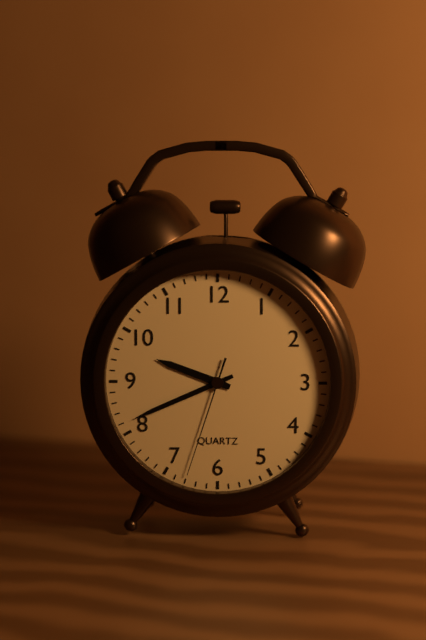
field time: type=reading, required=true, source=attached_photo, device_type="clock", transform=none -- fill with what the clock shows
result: 9:41:33
